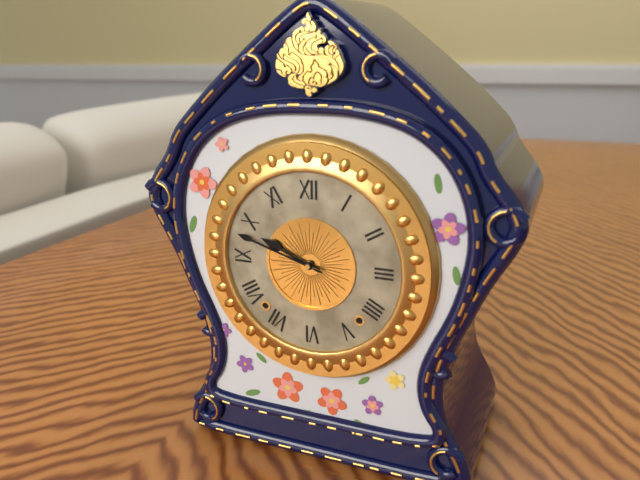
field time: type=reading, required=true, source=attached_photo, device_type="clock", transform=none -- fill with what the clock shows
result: 9:48
